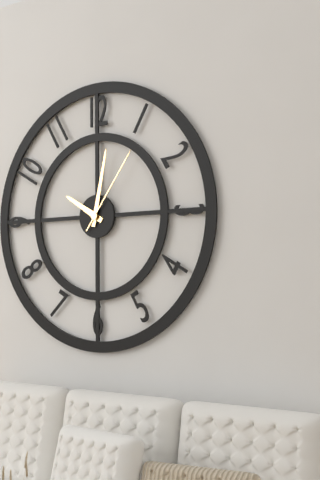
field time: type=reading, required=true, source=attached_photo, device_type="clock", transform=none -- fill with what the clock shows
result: 10:02:06
